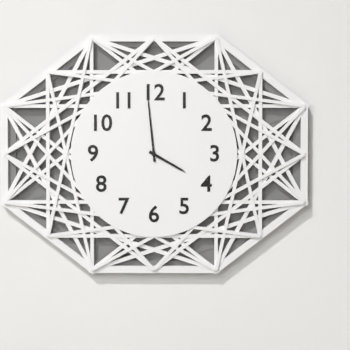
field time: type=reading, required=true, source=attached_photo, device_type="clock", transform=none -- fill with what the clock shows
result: 3:59
